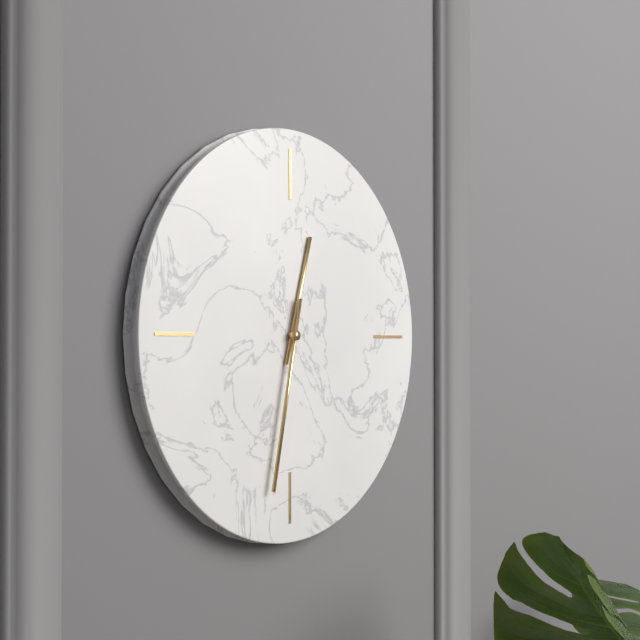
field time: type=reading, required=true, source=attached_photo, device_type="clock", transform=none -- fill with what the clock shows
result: 12:32
